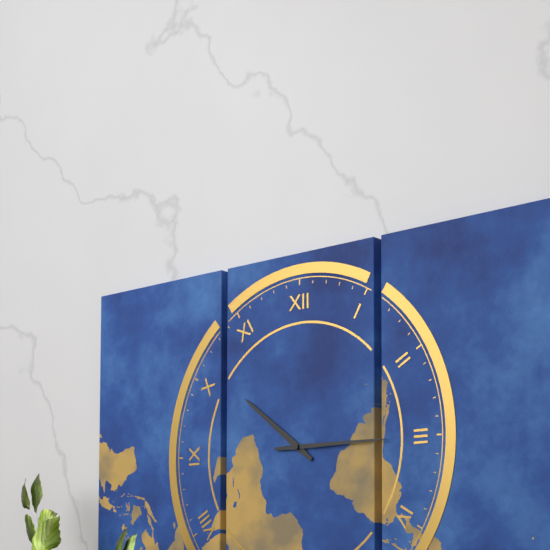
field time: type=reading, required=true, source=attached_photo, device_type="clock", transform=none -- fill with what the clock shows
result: 10:15
